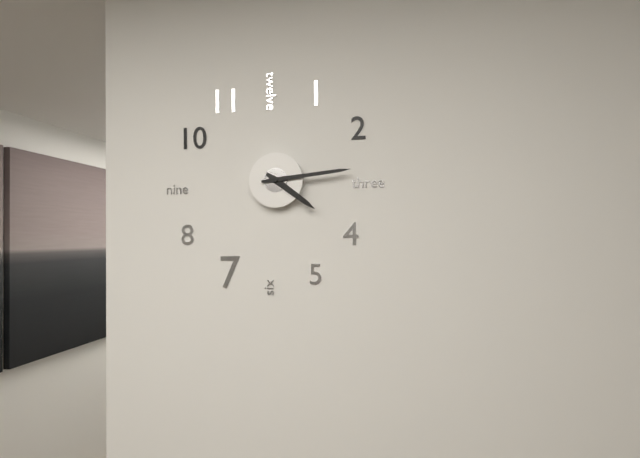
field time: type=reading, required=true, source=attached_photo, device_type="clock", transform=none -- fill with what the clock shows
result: 4:14
